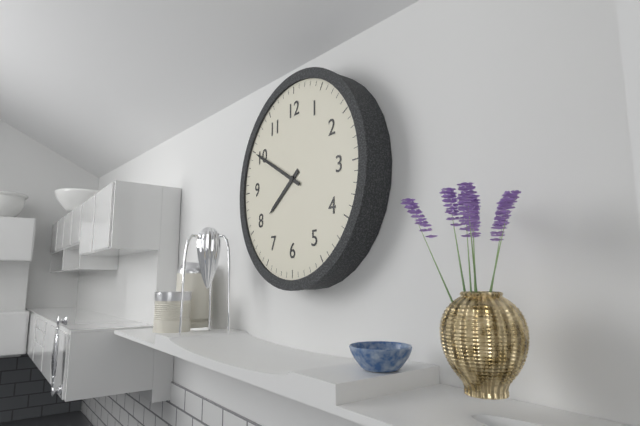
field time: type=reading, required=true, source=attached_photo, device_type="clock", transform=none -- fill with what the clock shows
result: 7:50
